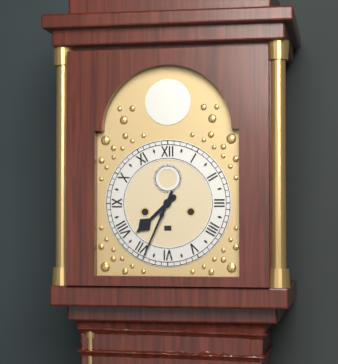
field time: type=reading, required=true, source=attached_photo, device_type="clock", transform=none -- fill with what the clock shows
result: 7:34
